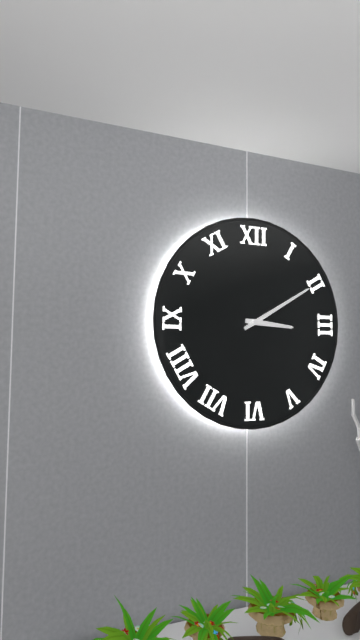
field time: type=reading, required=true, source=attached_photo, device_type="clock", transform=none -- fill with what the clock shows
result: 3:10
